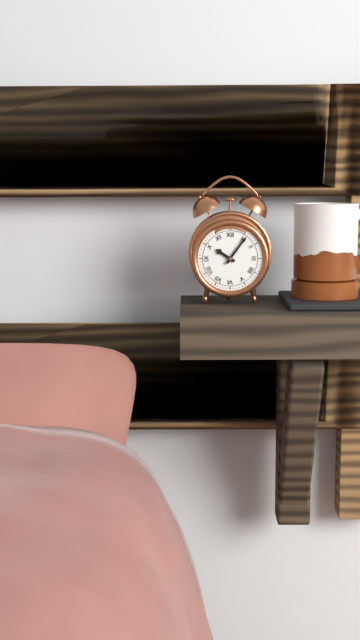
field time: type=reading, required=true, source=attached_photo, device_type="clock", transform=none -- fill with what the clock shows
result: 10:06
